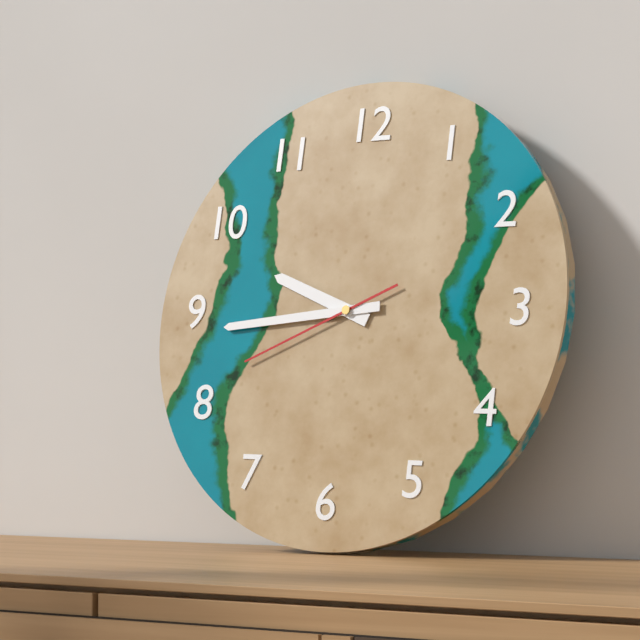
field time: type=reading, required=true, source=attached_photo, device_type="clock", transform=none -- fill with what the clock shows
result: 9:44:41
